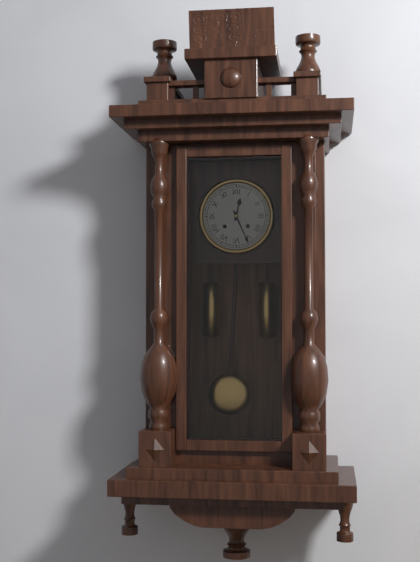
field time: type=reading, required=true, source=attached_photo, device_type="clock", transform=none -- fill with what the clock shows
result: 12:26
